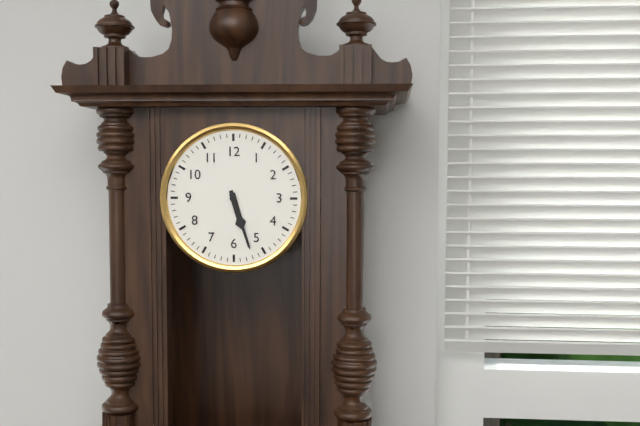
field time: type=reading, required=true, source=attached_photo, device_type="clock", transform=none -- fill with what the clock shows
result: 5:27
